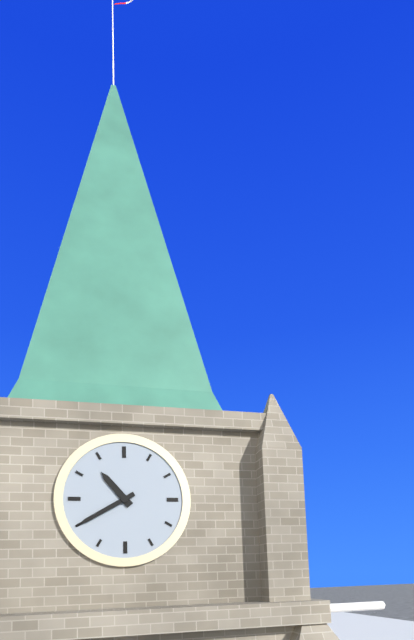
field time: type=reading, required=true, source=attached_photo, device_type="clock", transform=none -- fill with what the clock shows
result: 10:40
